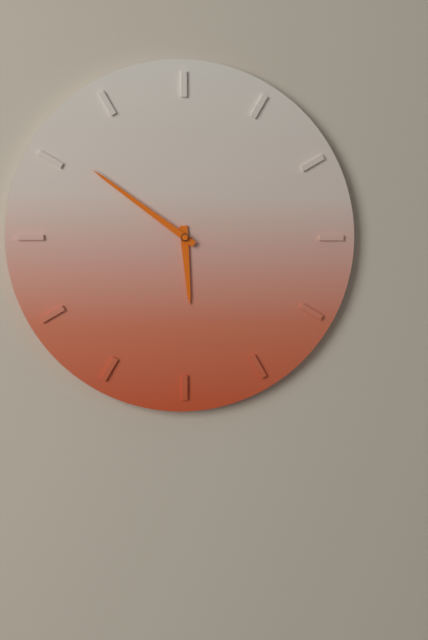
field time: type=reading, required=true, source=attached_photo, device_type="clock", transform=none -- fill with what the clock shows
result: 5:51
